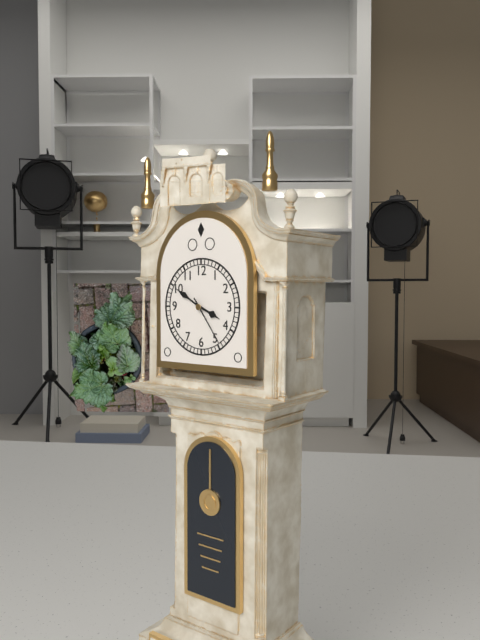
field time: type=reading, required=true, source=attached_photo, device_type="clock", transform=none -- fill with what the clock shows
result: 3:50
